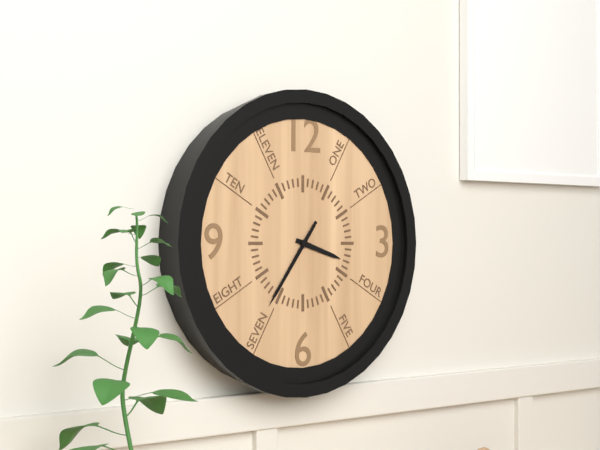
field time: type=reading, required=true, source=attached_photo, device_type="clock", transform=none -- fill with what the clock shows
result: 3:36
